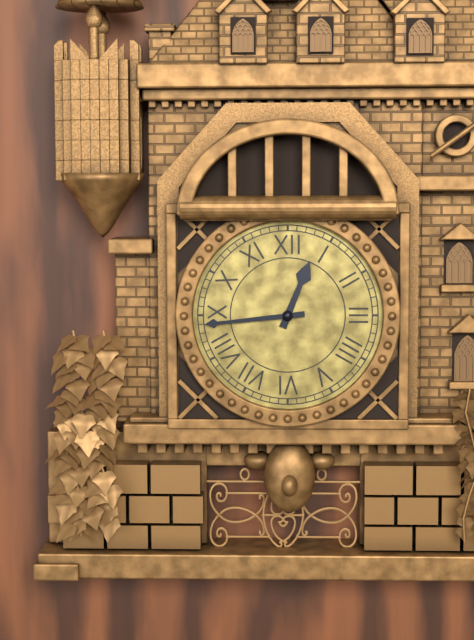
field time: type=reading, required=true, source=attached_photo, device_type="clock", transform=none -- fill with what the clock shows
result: 12:44
